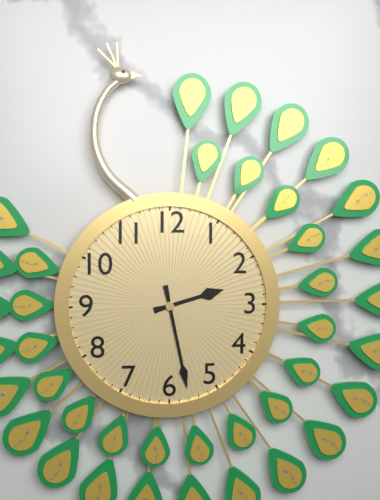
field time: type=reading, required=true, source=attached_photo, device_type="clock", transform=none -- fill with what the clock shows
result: 2:28
